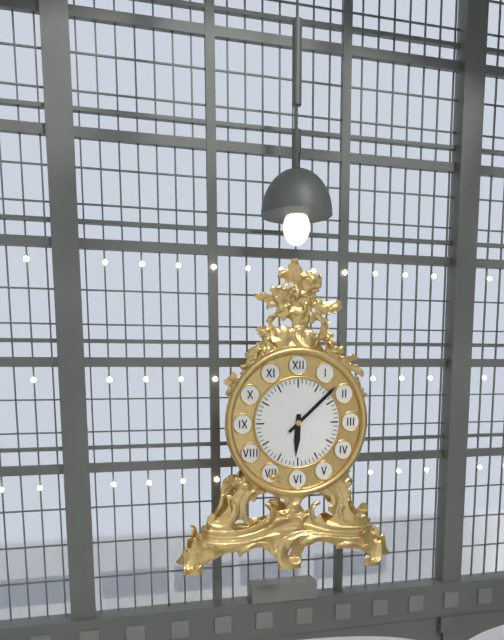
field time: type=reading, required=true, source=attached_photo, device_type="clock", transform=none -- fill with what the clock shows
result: 6:08
